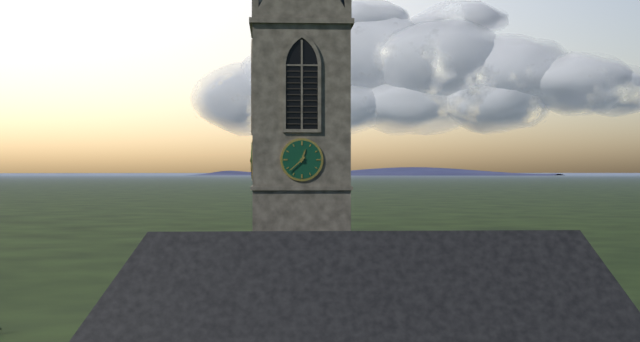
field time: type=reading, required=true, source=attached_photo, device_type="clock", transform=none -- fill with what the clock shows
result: 12:38
